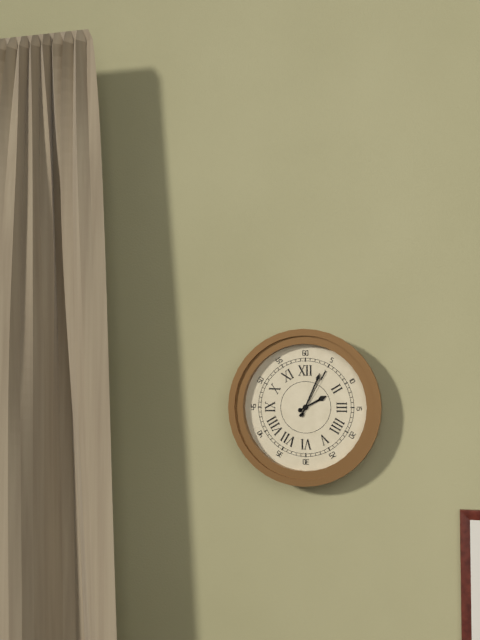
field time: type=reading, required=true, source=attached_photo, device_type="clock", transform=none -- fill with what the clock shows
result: 2:04:05
